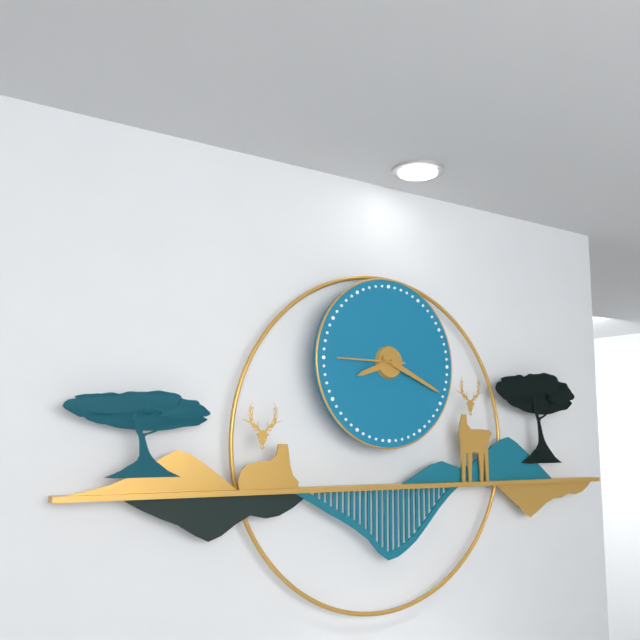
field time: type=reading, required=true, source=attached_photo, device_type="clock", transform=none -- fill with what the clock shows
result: 8:19:45
